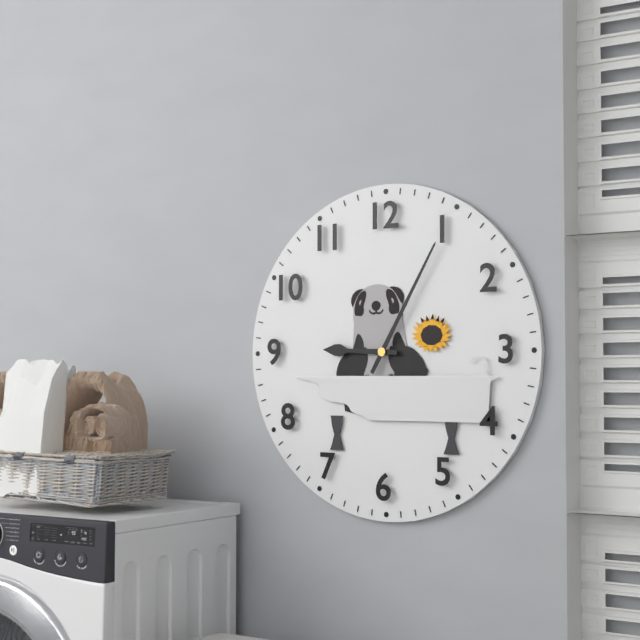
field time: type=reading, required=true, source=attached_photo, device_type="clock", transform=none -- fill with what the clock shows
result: 9:05
